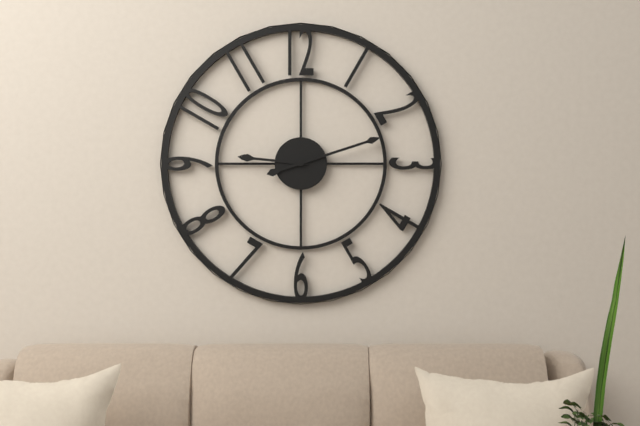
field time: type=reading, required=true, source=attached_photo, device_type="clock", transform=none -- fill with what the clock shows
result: 9:12
